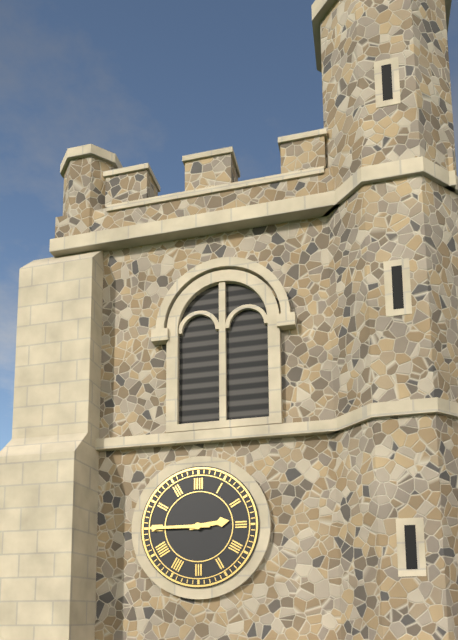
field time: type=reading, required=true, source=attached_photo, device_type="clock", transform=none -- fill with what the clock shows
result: 2:45
